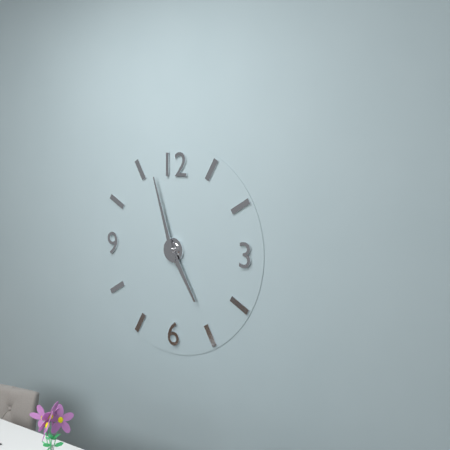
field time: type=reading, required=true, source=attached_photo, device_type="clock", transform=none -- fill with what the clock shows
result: 4:57
